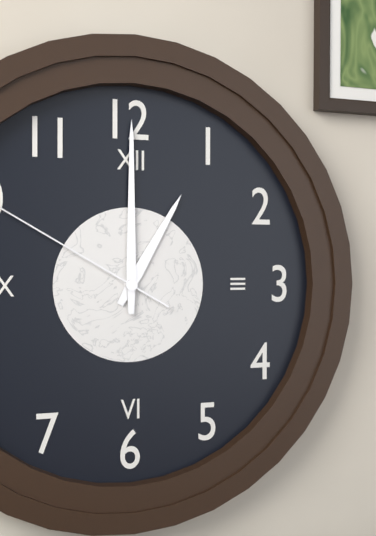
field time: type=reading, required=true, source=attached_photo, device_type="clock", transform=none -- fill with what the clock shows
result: 1:00
